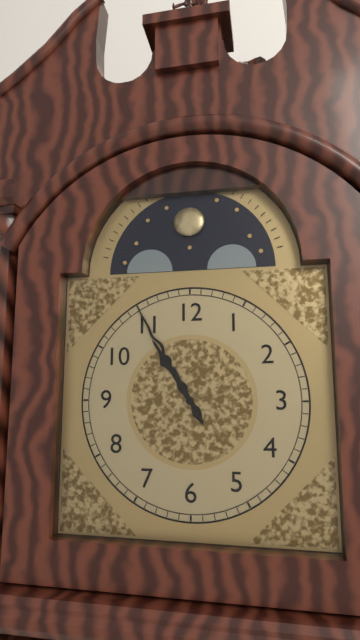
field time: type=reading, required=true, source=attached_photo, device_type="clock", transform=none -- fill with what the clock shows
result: 10:55
